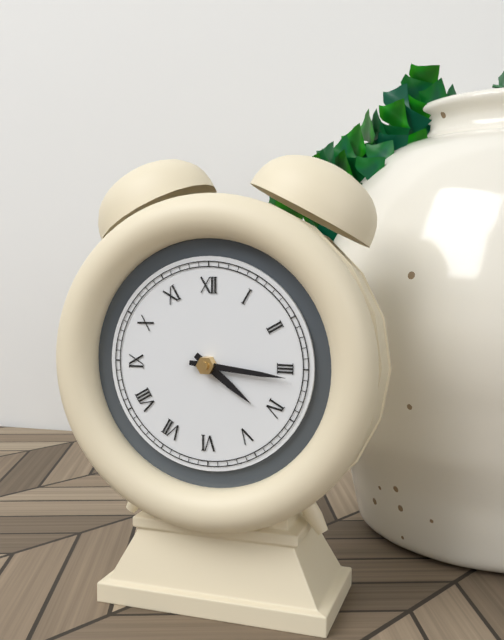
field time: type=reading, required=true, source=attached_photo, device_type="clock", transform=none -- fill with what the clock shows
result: 4:16
